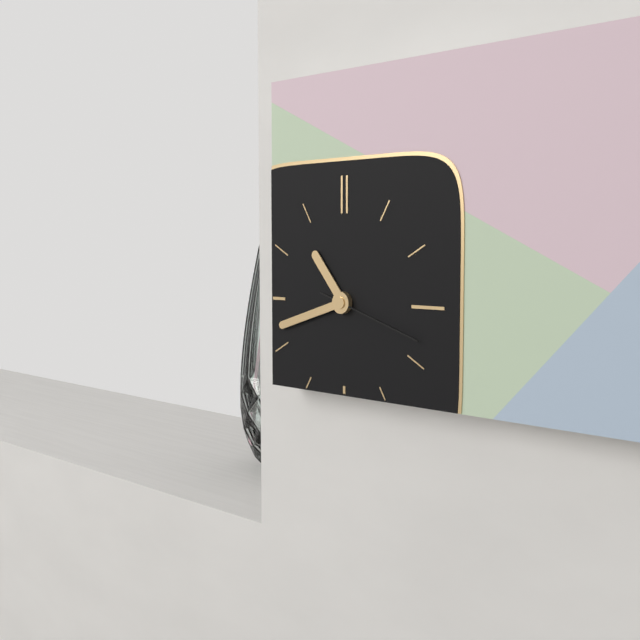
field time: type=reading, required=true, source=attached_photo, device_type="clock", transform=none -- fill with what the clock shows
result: 10:42:18
